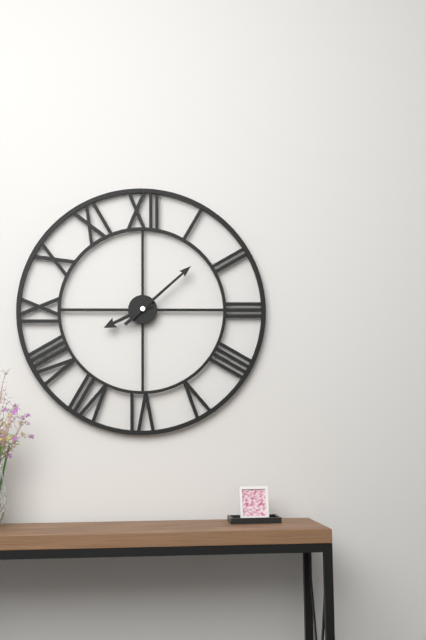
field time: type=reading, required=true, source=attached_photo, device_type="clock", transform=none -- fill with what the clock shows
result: 8:08
